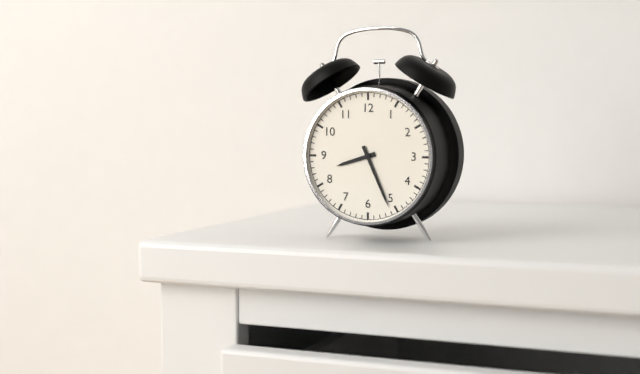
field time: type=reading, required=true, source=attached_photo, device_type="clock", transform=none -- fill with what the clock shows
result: 8:26
